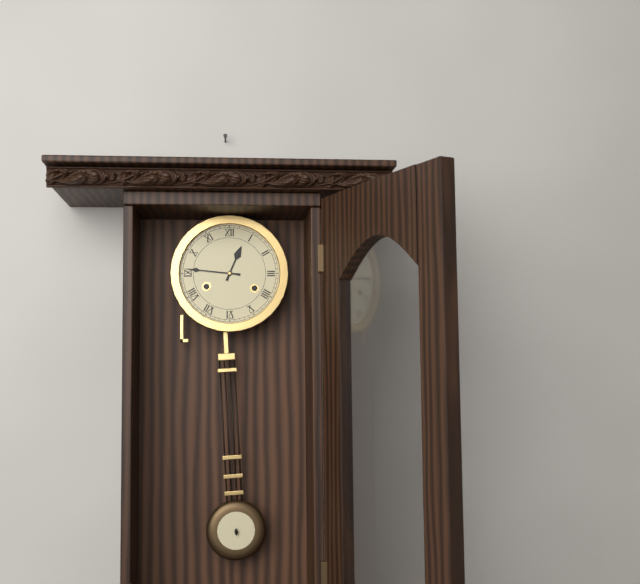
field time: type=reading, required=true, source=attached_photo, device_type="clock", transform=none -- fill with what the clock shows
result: 12:46
